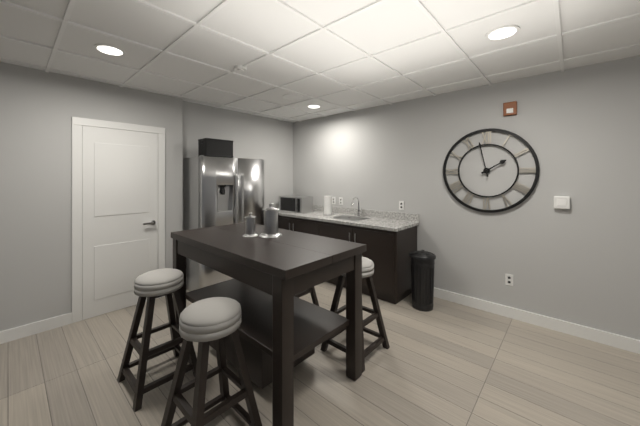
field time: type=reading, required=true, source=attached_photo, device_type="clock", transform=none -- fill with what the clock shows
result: 1:58
